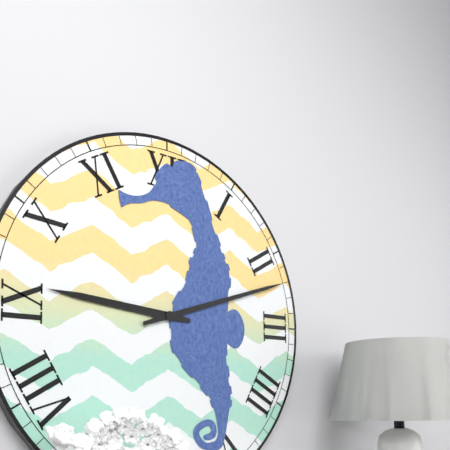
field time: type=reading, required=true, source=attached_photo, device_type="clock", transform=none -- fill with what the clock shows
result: 9:12
